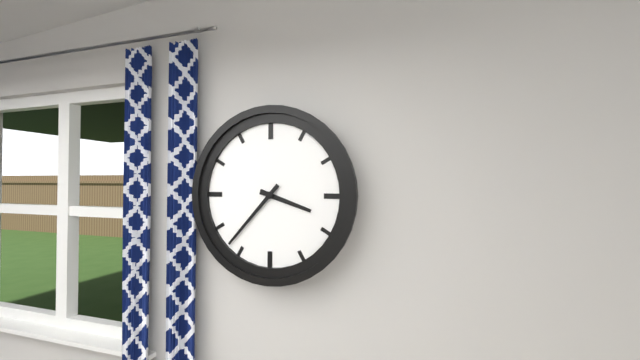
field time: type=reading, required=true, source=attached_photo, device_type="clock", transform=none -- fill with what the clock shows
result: 3:37
